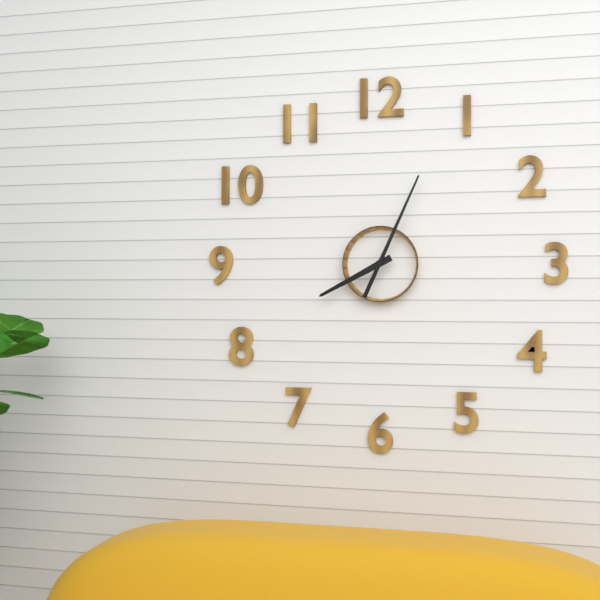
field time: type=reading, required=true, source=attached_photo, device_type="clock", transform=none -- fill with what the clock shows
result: 8:04
